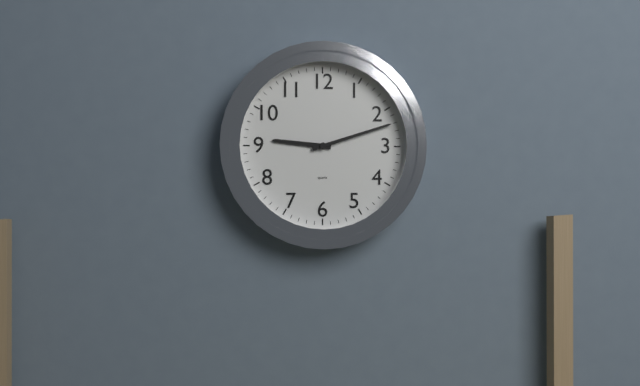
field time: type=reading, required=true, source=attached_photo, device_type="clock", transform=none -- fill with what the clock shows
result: 9:12
